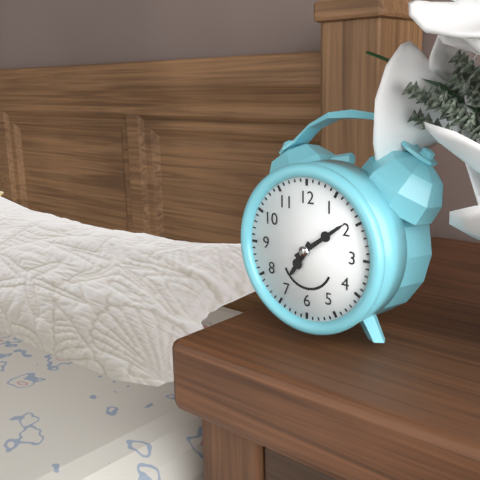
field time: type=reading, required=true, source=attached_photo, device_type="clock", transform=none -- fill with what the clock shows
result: 7:09
